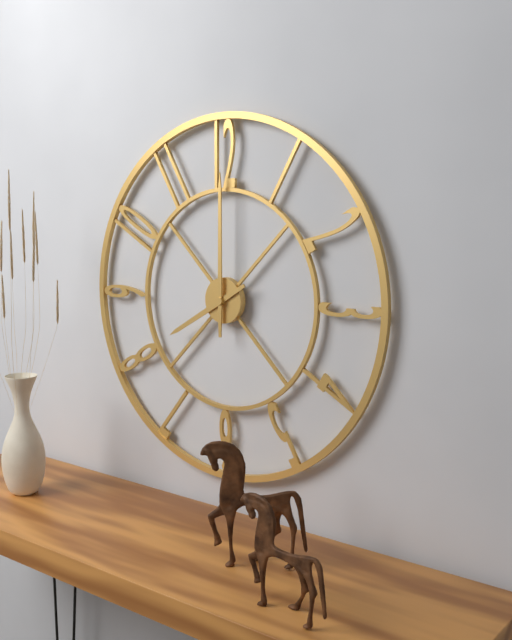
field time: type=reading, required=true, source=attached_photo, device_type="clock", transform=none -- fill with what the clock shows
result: 8:00
